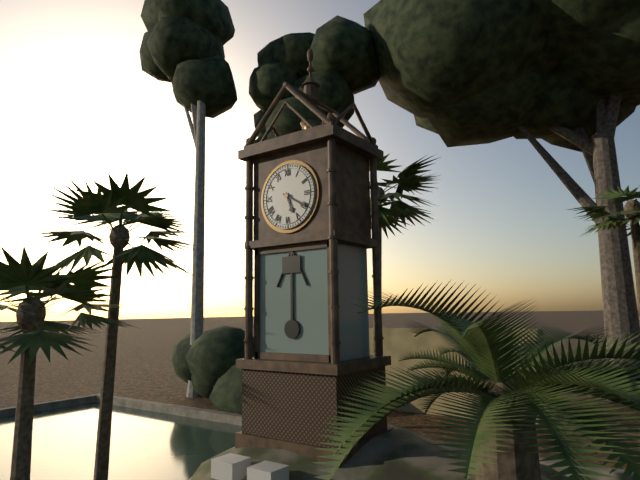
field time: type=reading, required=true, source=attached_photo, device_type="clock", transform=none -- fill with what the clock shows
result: 5:20
